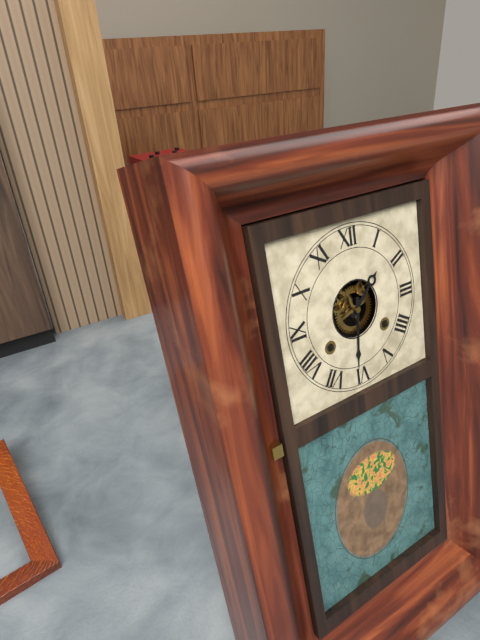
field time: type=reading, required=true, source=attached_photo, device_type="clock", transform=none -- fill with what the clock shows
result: 1:31
